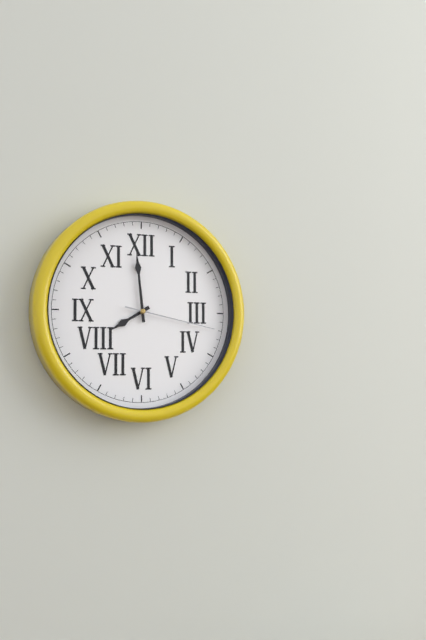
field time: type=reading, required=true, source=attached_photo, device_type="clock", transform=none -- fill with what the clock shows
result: 7:59:17
